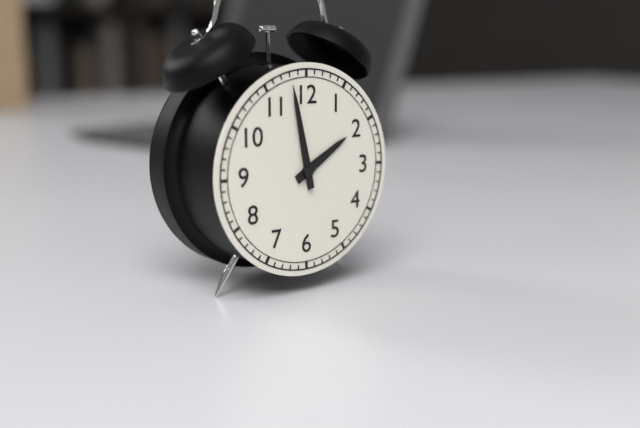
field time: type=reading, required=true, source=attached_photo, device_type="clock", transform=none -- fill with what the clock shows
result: 1:58
